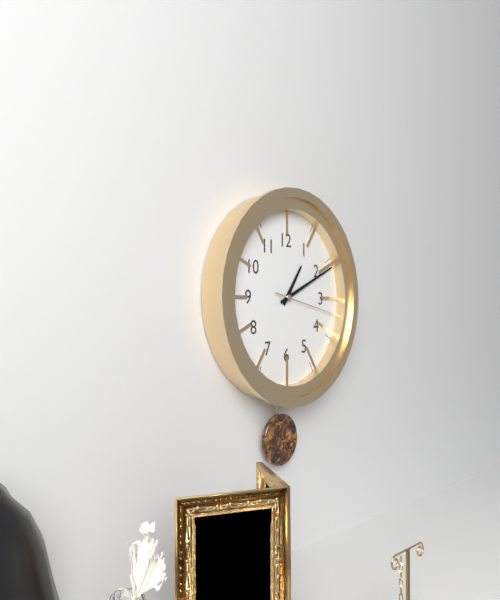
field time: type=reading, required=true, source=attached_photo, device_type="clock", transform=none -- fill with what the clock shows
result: 1:11:17
